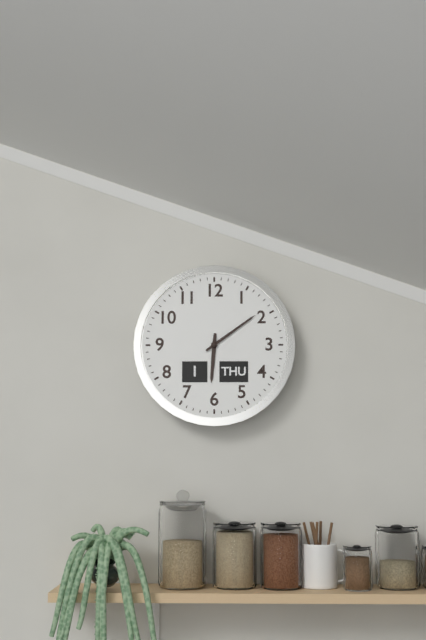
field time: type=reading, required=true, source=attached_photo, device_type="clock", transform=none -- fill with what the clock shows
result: 6:09
